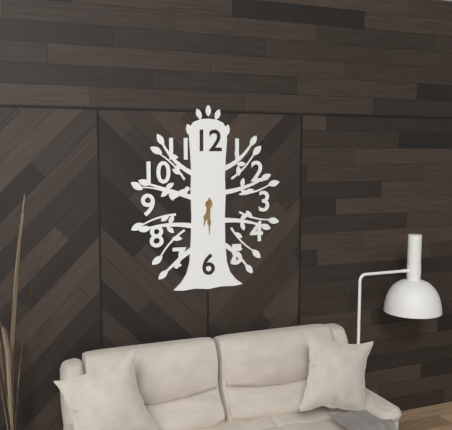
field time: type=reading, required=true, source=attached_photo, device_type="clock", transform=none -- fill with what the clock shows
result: 6:30
